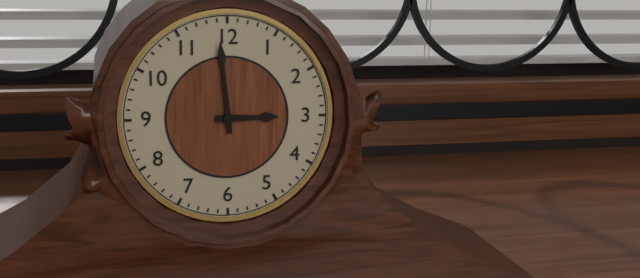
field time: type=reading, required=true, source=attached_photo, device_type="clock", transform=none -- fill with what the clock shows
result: 2:59
